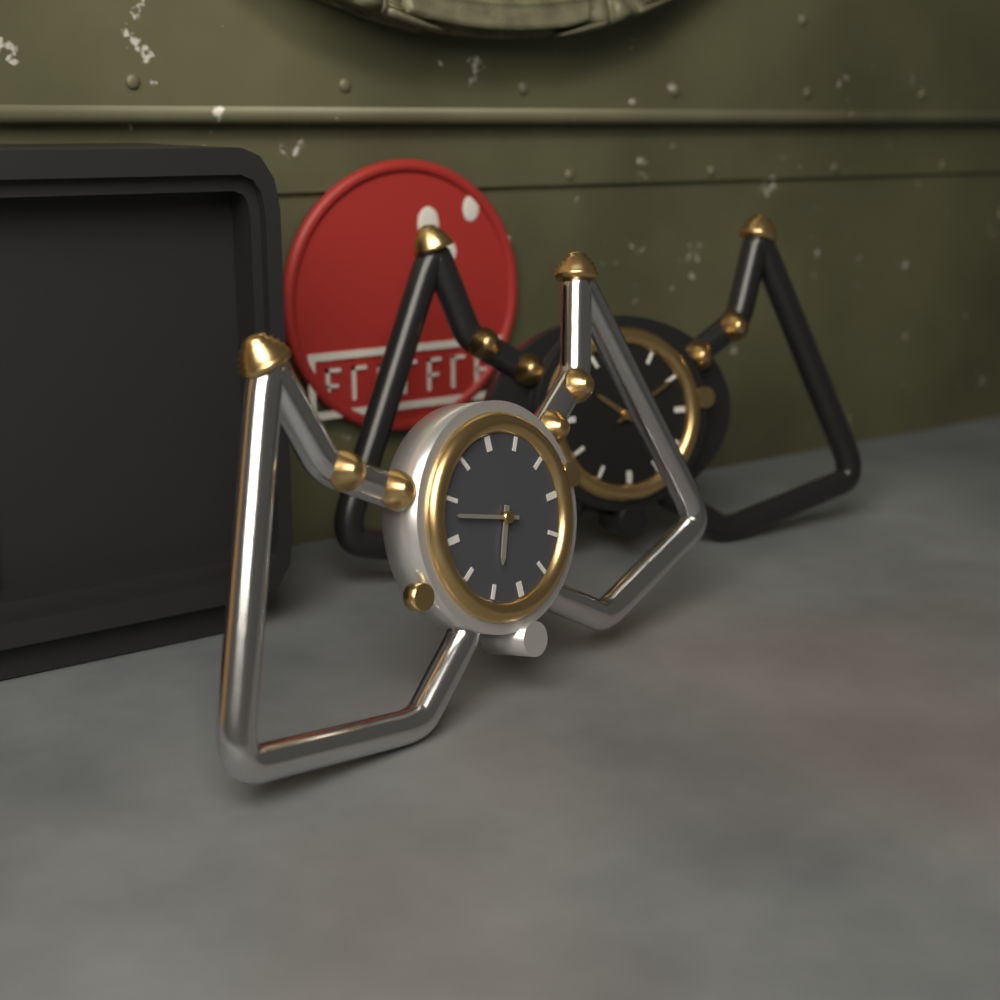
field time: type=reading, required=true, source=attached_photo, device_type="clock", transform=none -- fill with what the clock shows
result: 6:48
